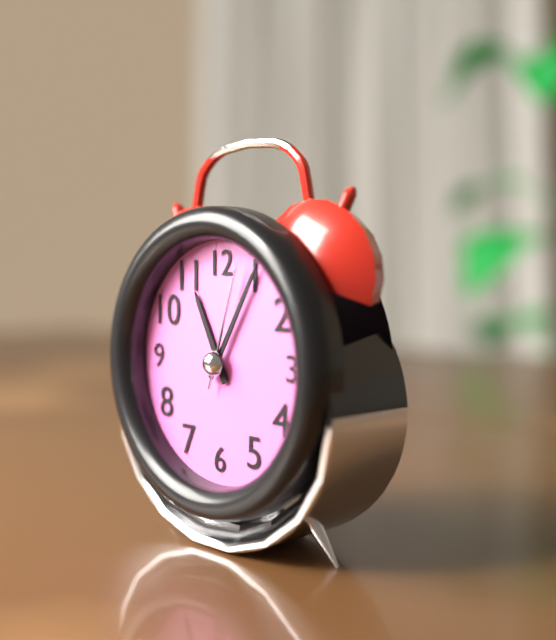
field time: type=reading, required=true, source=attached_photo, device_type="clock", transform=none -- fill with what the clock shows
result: 11:05:03
